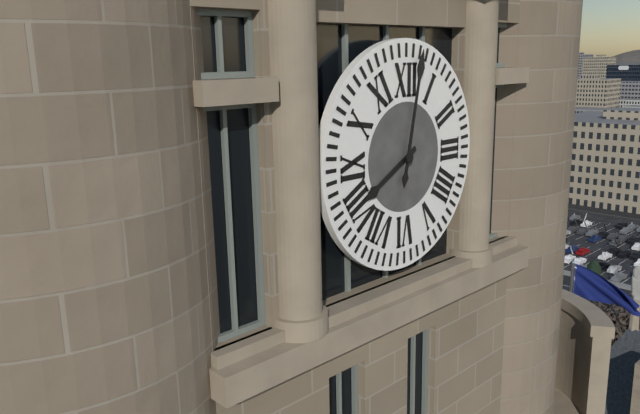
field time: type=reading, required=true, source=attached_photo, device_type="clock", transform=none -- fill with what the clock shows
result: 8:02
